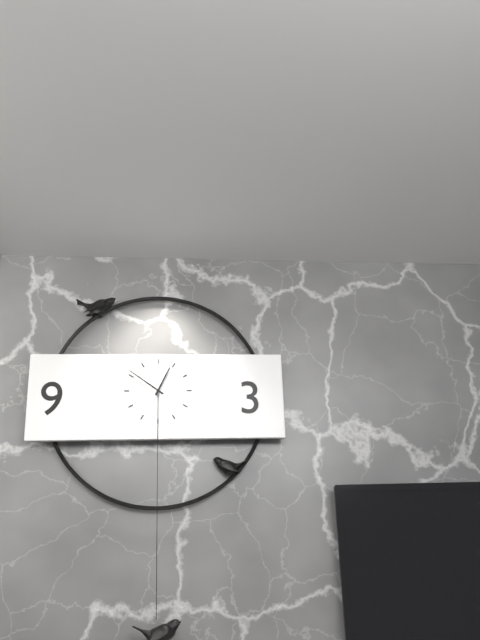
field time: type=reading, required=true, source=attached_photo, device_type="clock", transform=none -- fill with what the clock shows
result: 12:51
